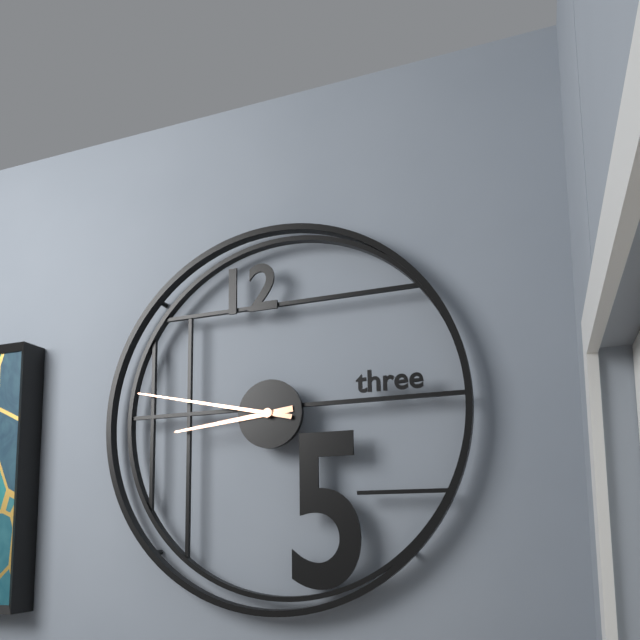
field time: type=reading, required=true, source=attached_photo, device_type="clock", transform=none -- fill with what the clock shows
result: 8:47
